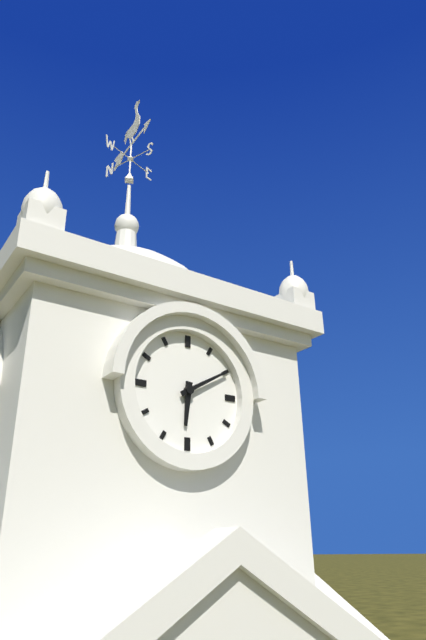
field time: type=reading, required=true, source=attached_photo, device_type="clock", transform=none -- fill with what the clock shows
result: 6:10
